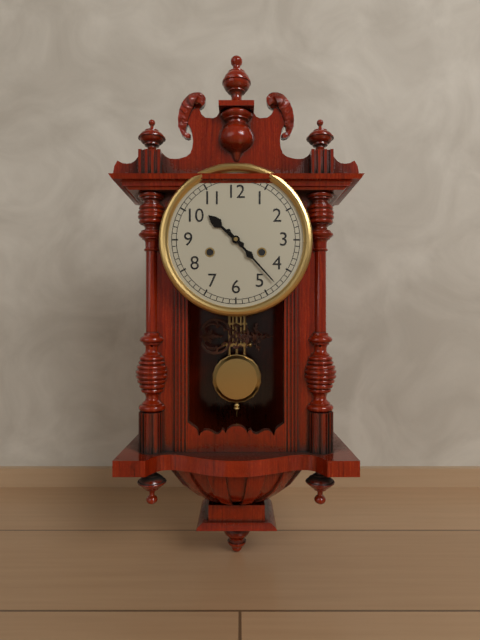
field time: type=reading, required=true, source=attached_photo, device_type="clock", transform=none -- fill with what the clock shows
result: 10:23
